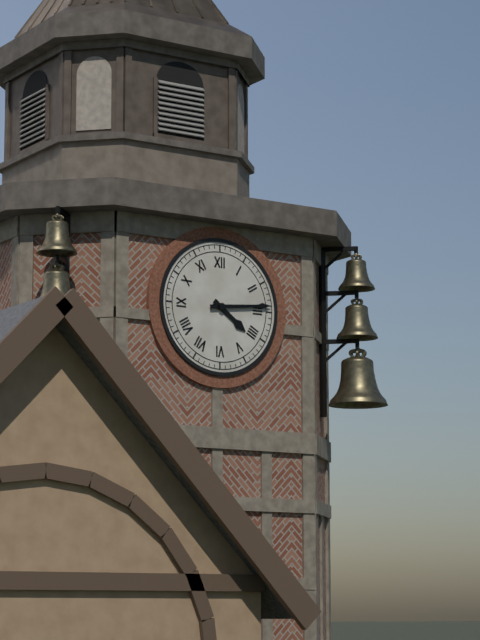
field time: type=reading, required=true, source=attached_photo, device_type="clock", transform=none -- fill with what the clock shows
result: 4:14
